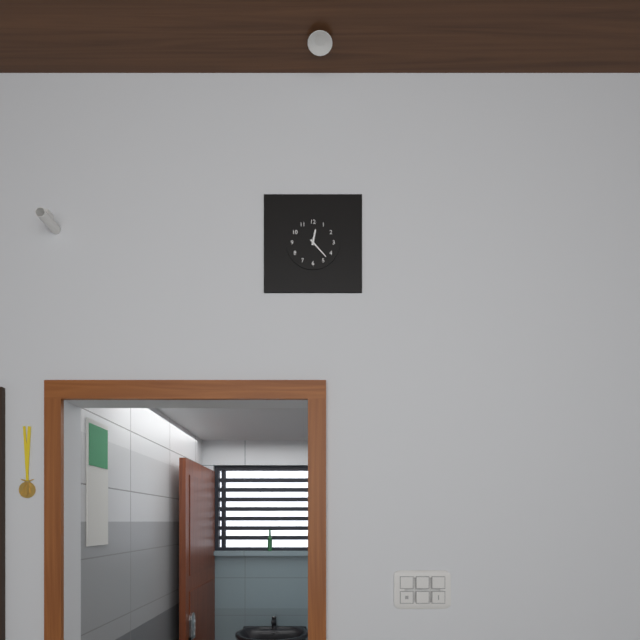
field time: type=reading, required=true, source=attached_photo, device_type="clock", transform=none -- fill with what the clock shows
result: 12:23
